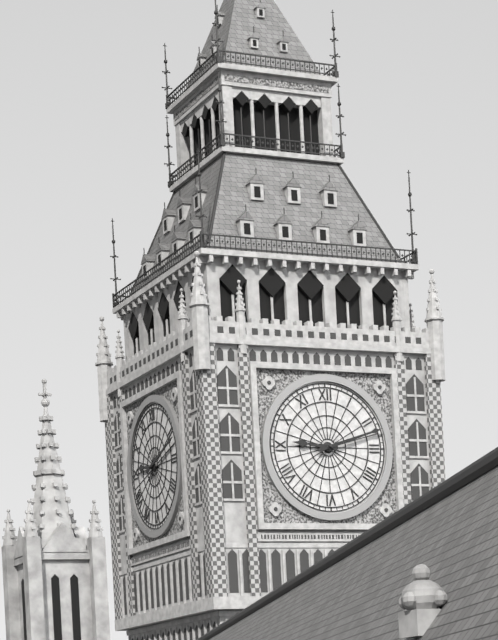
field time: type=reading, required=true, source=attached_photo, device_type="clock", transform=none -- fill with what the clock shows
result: 9:12
